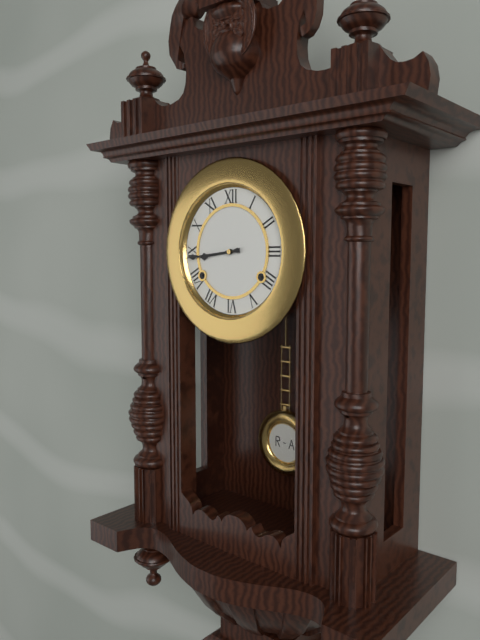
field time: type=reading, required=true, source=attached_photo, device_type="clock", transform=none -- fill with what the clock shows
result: 8:44
